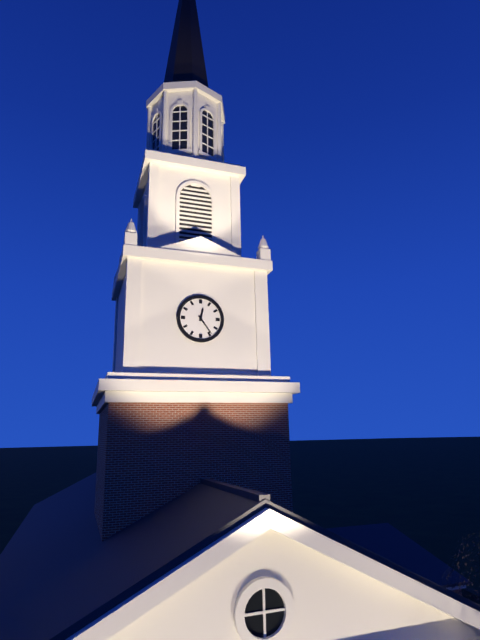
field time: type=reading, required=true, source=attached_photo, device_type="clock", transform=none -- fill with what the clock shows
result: 12:24
